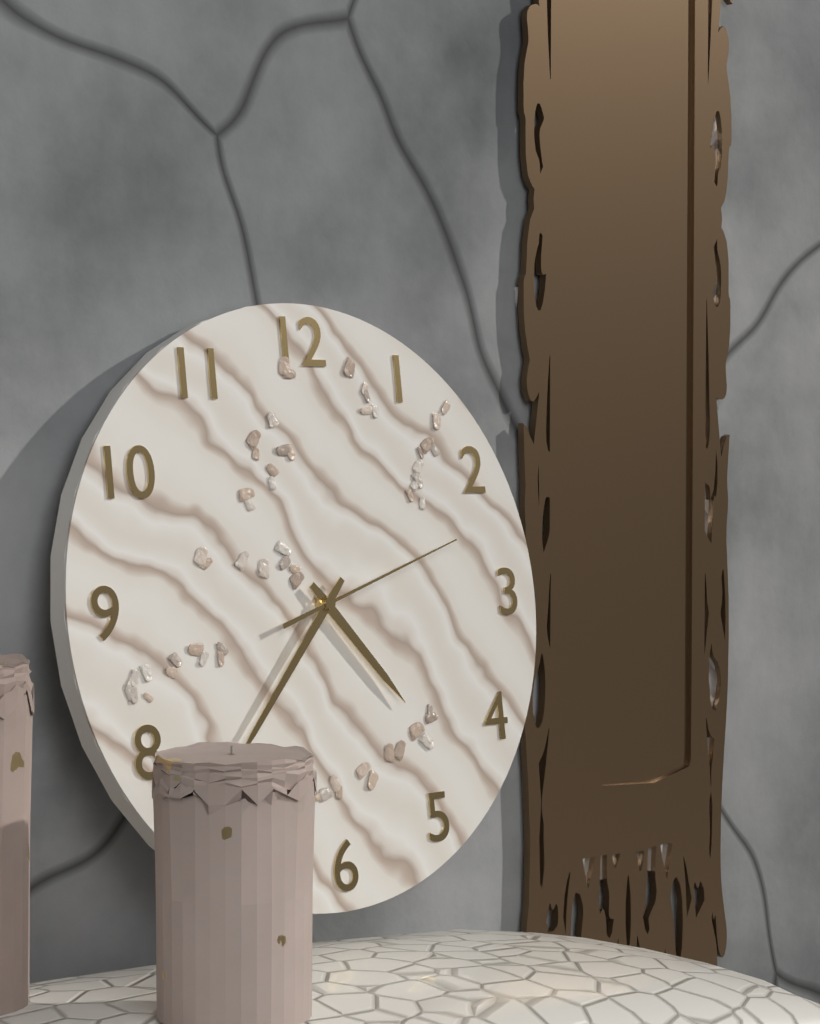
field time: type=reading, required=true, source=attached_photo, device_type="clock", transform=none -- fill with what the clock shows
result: 4:37:12
